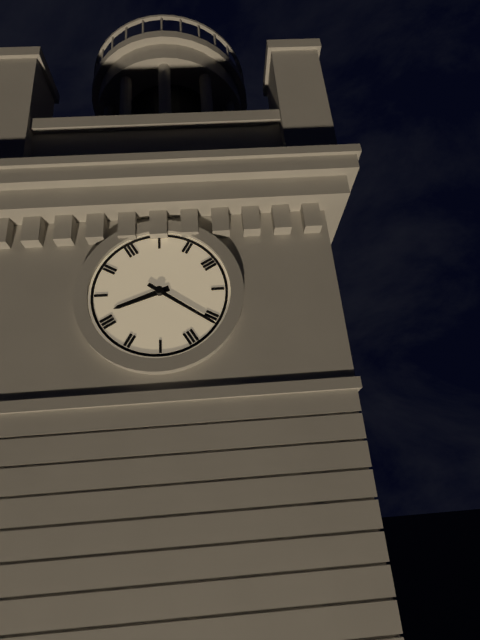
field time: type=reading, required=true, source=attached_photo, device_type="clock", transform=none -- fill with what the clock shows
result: 8:21
